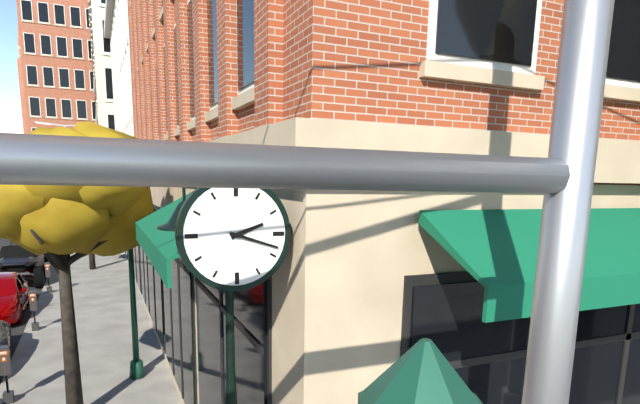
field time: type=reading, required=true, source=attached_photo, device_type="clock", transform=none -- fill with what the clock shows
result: 2:18
